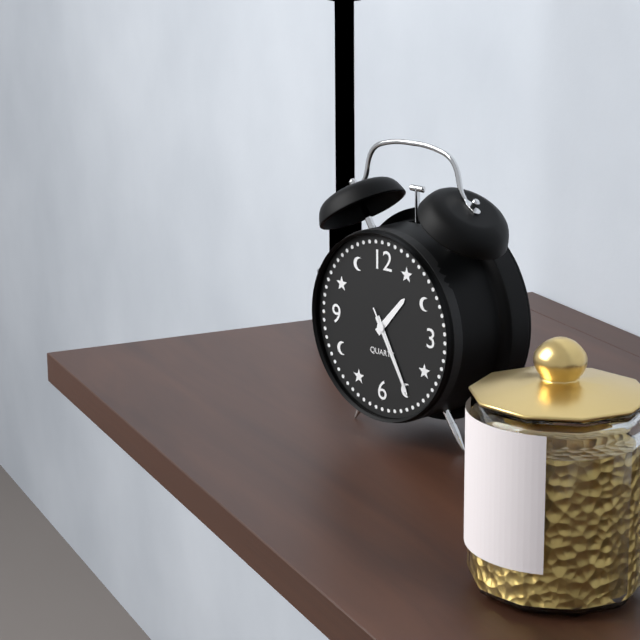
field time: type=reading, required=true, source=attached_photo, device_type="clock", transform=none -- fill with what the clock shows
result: 1:25:25
